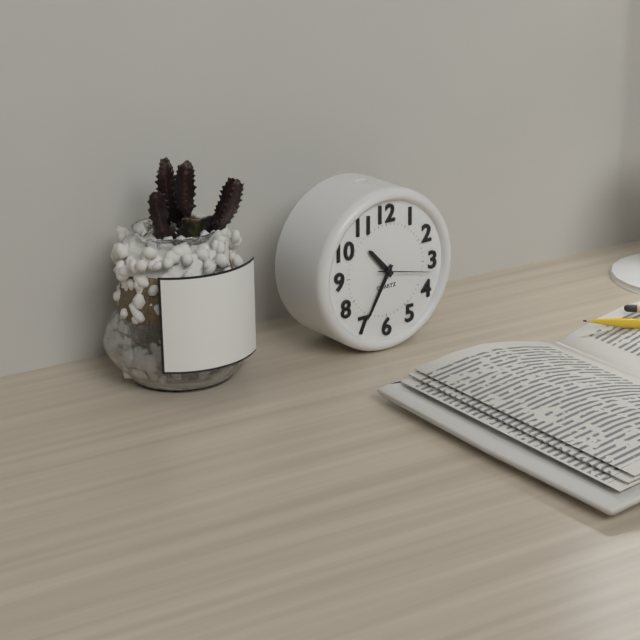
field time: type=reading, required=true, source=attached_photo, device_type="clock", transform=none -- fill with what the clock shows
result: 10:35:17
